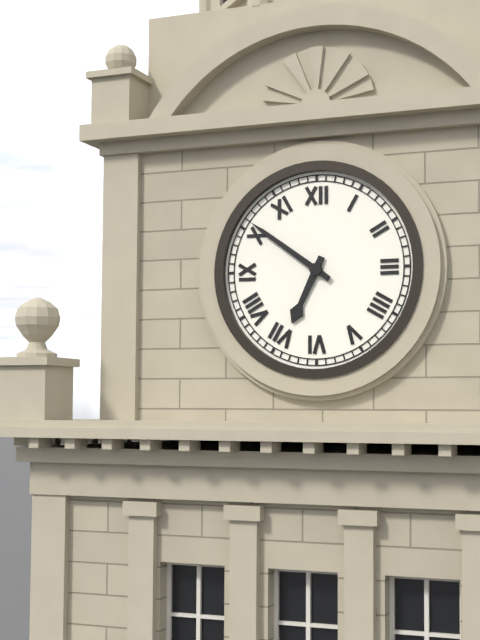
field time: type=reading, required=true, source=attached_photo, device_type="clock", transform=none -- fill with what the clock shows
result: 6:51
